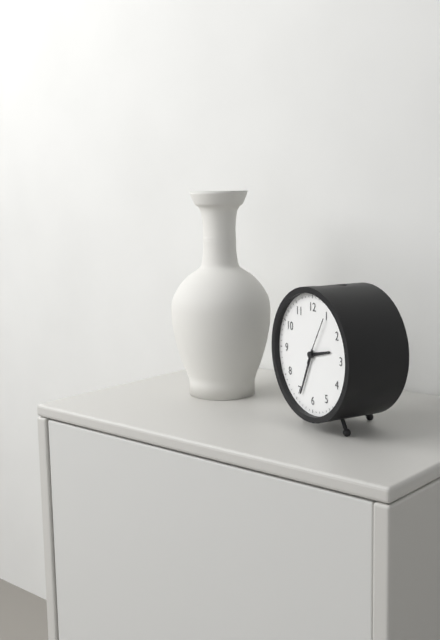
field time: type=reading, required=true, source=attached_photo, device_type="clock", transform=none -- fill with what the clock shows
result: 2:34
